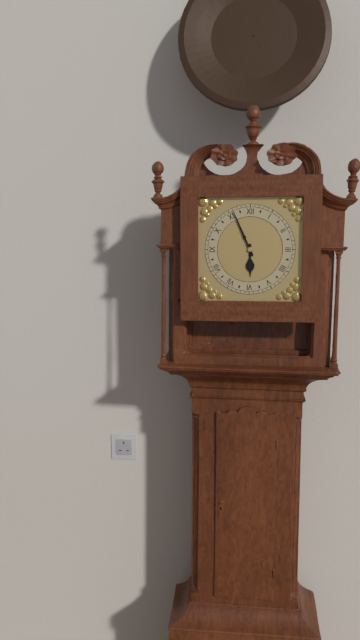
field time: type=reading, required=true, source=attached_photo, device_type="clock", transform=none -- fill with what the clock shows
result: 5:56
